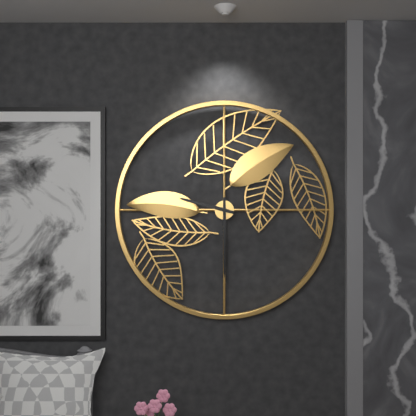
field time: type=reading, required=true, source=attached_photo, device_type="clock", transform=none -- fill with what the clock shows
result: 9:30
